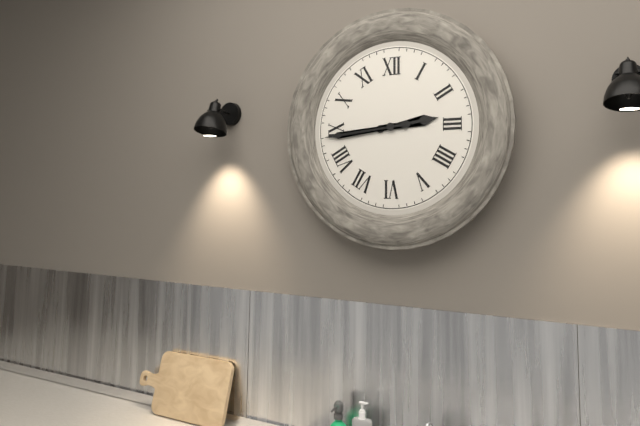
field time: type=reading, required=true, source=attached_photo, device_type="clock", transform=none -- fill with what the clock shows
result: 2:44
